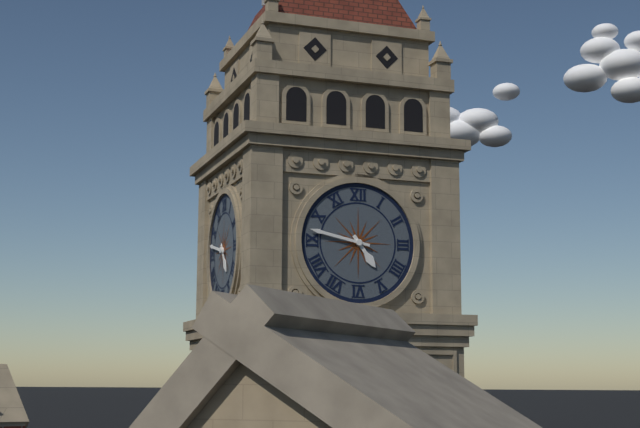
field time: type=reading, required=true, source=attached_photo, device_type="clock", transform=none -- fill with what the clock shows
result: 4:47
